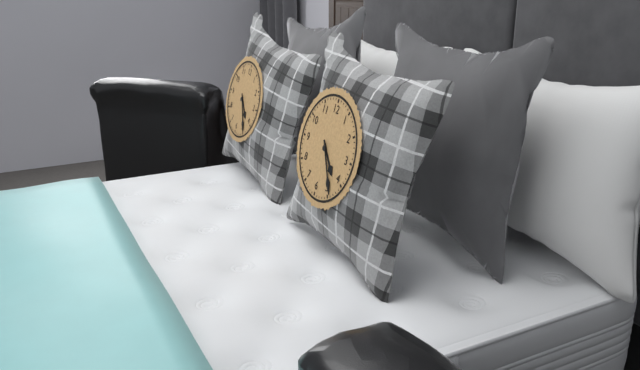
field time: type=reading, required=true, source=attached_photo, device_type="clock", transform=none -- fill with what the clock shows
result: 4:24
